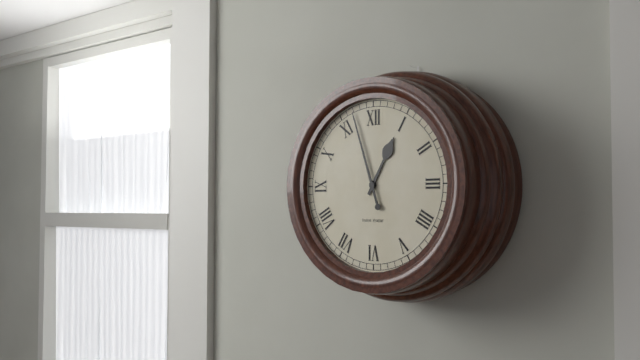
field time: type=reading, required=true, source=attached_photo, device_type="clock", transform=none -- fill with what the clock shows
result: 12:57
